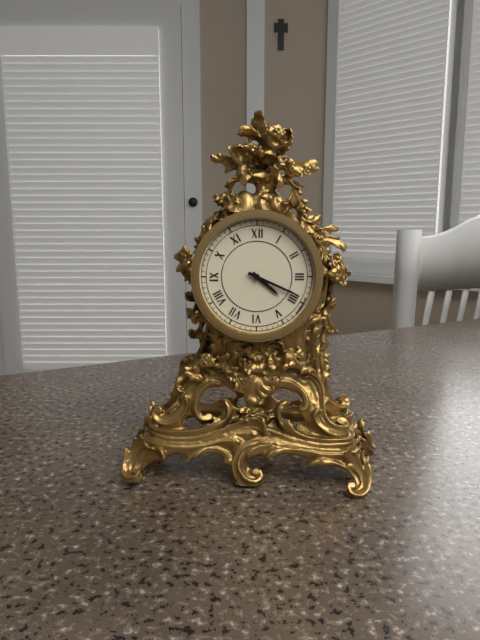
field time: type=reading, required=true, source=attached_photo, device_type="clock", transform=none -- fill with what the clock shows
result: 4:19
